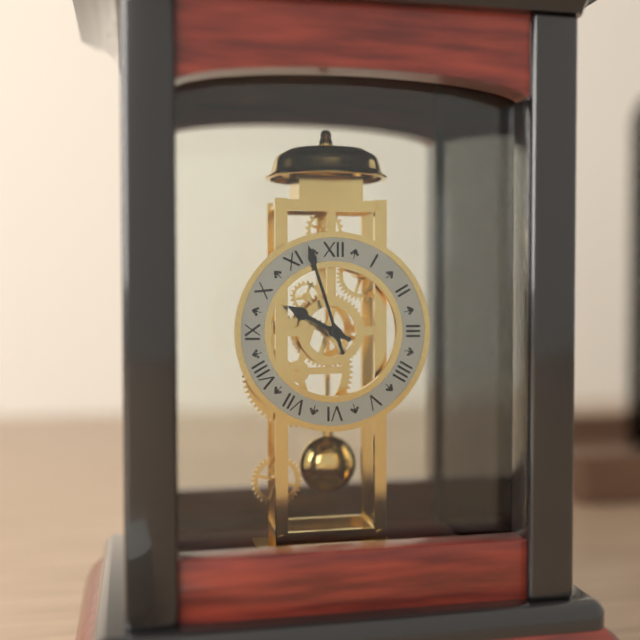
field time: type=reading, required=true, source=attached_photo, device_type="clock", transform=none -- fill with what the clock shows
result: 9:57
